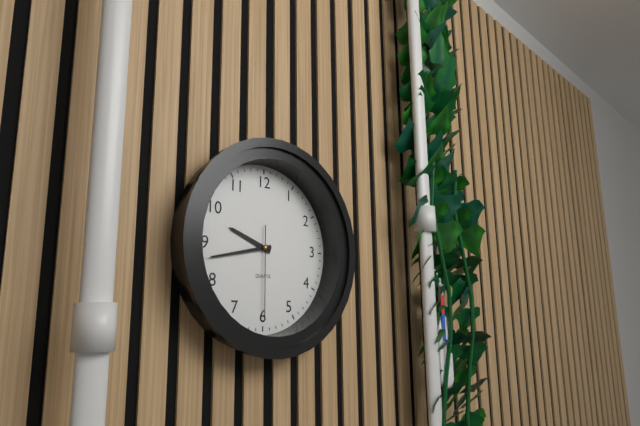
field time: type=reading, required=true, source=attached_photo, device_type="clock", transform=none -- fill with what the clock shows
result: 9:43:30
